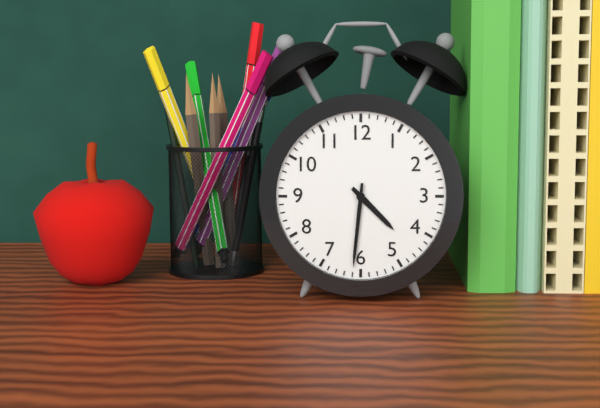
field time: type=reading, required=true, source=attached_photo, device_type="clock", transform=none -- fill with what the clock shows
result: 4:31
